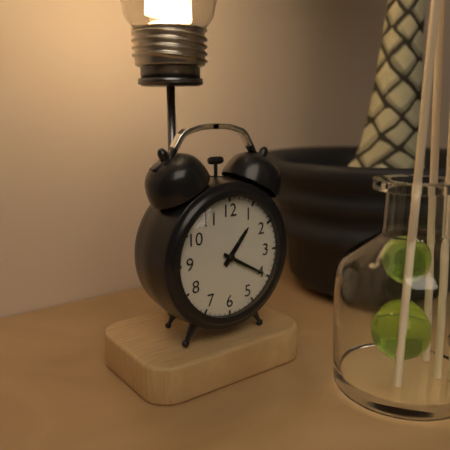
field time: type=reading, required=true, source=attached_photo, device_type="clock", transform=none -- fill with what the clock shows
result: 1:20
